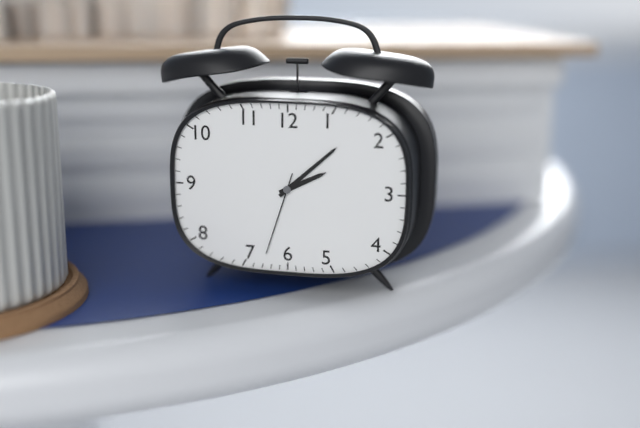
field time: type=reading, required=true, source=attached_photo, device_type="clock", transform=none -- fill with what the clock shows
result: 2:08:33
